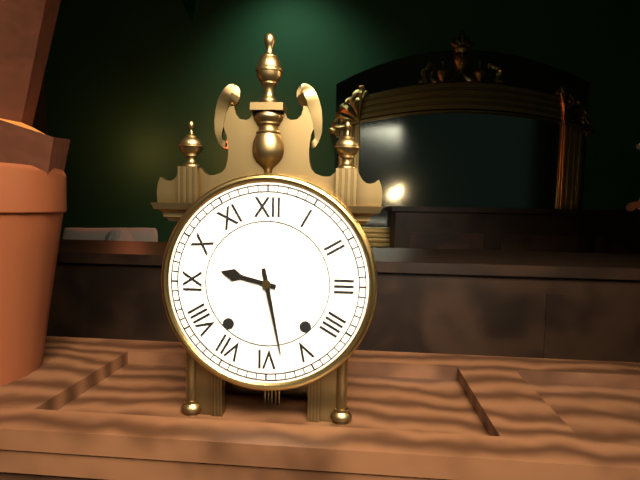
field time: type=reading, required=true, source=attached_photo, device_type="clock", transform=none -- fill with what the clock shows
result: 9:28
